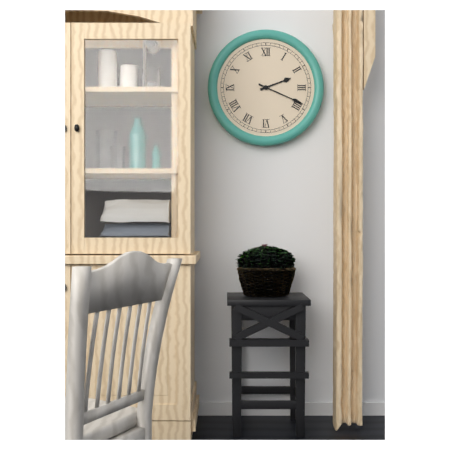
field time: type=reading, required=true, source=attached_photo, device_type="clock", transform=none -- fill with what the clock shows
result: 2:19
